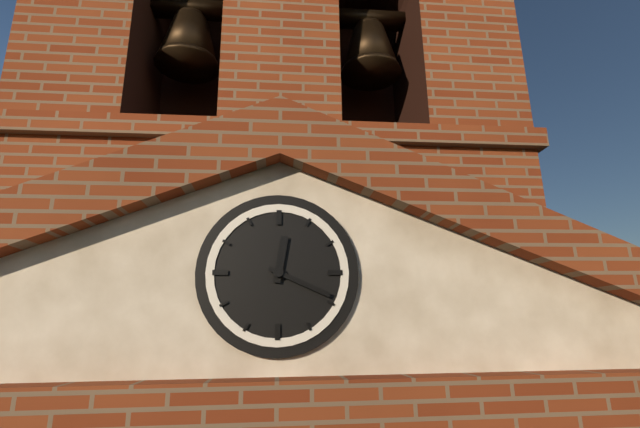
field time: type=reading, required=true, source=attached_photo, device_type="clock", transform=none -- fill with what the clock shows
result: 12:19
